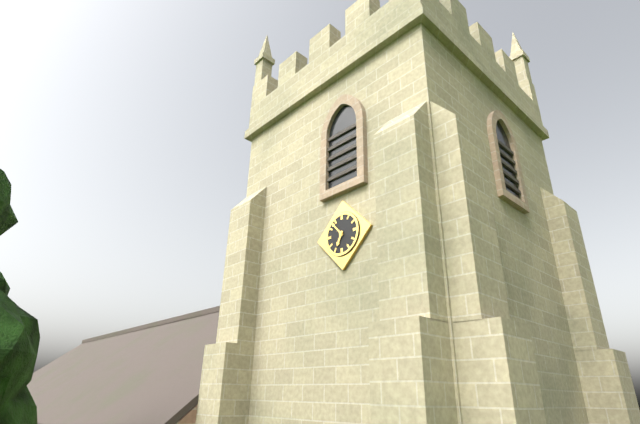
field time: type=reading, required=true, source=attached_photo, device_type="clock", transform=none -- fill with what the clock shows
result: 6:53
